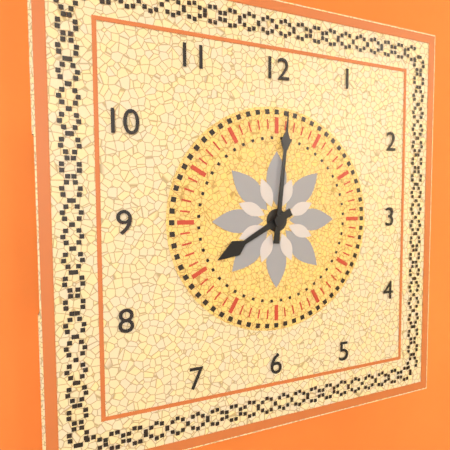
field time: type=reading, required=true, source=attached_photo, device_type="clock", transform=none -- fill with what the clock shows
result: 8:01
